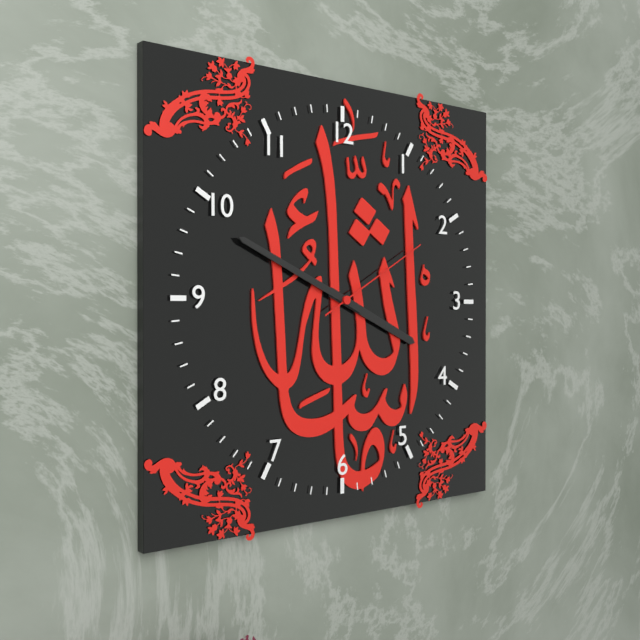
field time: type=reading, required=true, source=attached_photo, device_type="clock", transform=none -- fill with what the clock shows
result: 3:49:10
